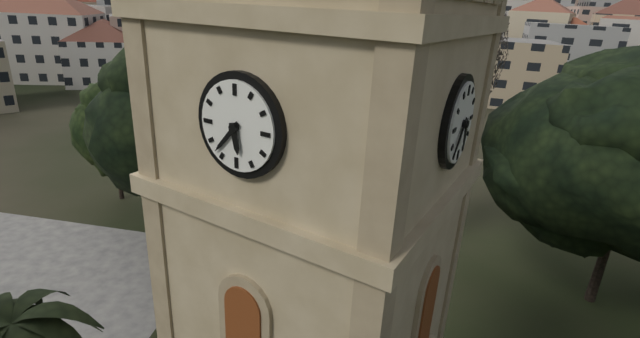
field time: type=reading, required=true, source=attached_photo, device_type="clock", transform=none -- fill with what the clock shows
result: 5:37
